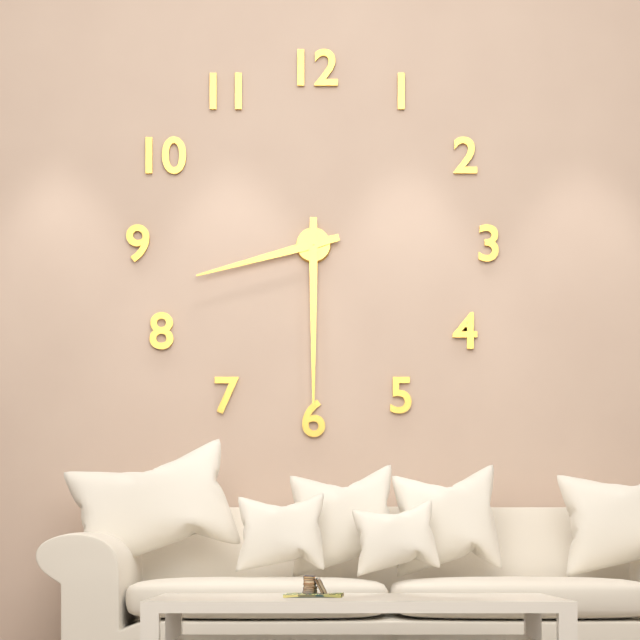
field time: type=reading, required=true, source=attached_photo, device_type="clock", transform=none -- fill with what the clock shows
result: 8:30
